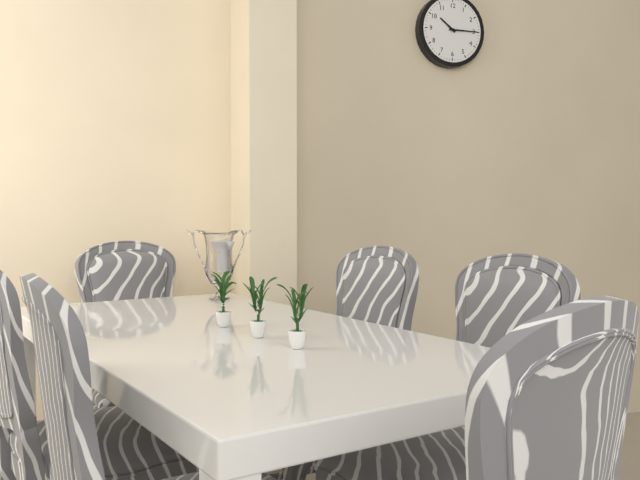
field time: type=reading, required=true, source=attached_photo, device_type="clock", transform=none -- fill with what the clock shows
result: 10:15
